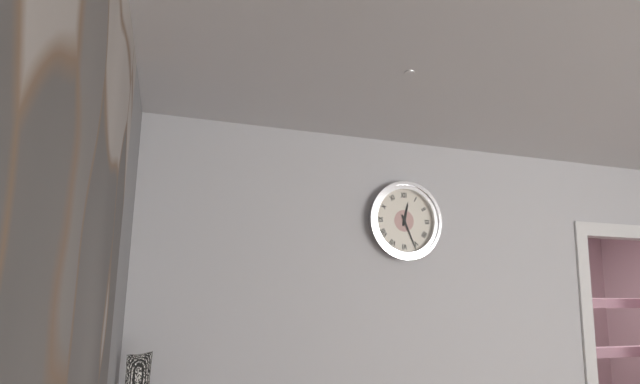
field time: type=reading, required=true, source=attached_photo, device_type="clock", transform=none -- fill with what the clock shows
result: 12:26
